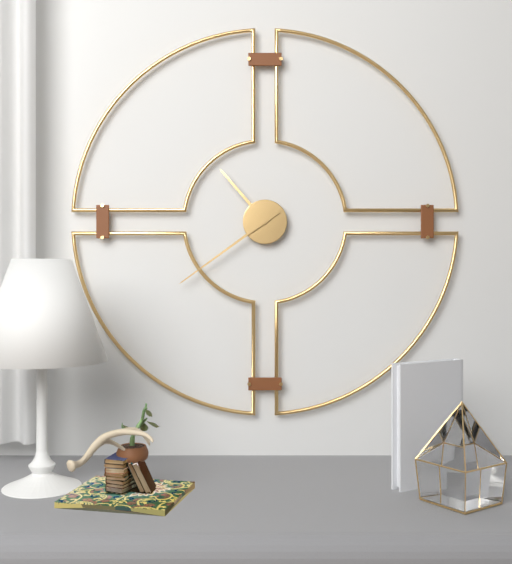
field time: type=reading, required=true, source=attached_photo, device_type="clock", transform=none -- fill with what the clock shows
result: 10:39
